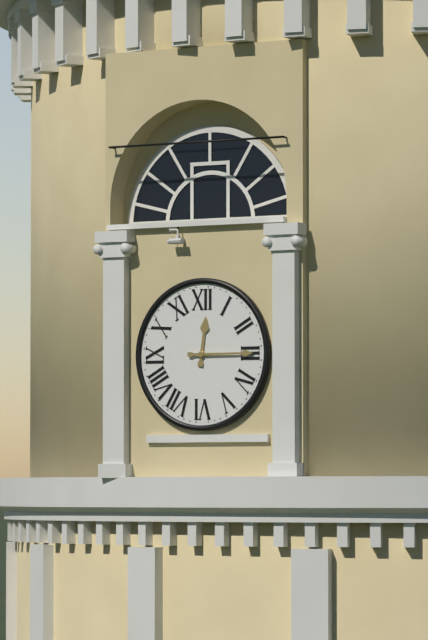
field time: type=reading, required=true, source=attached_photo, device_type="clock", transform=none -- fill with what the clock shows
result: 12:15
